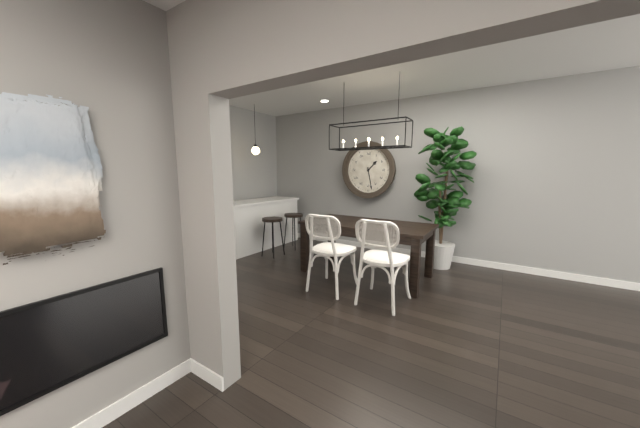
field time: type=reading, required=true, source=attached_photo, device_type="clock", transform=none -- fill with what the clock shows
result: 1:28
